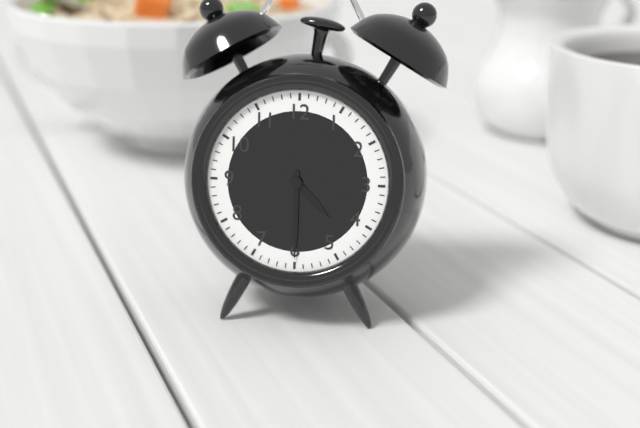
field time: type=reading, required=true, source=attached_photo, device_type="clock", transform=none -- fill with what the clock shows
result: 4:30
